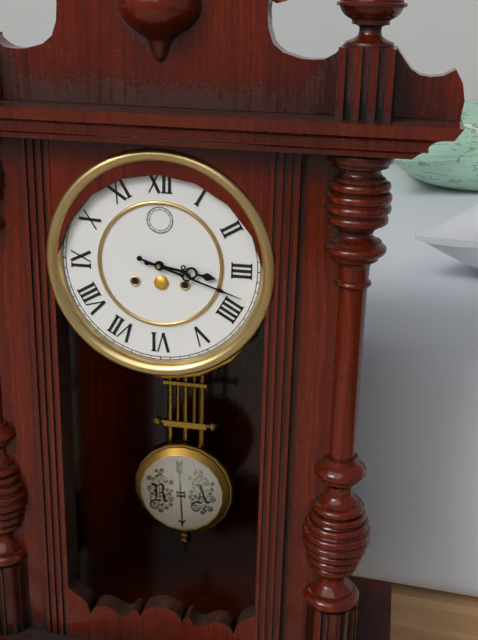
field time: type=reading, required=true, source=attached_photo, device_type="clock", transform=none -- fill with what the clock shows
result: 3:18
